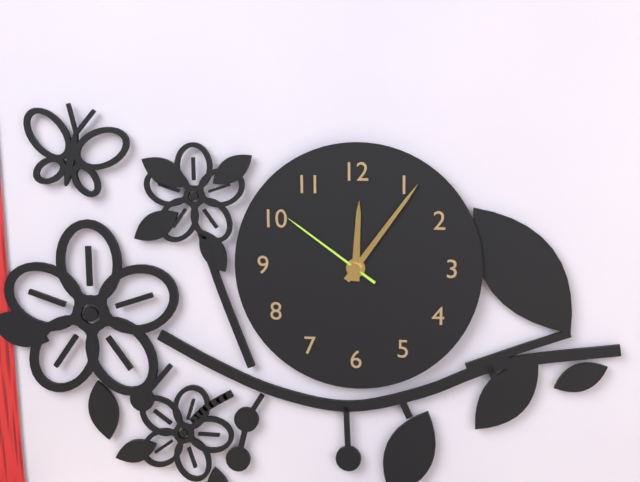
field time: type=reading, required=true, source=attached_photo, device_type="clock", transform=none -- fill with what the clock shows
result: 12:06:51
